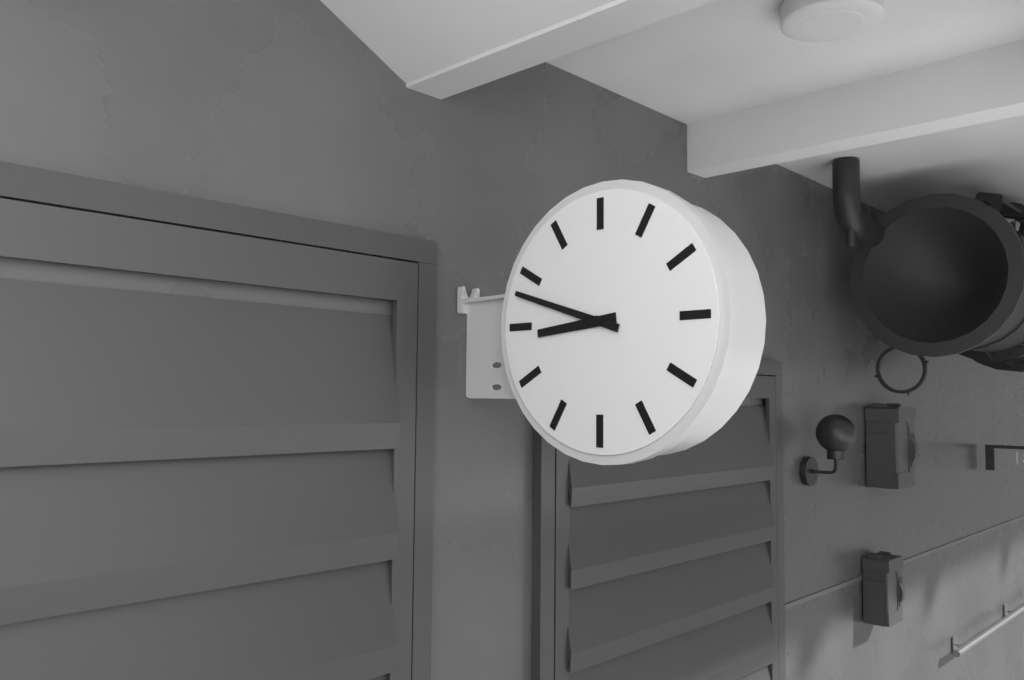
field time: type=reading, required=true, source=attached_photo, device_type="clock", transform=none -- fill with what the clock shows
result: 8:48
